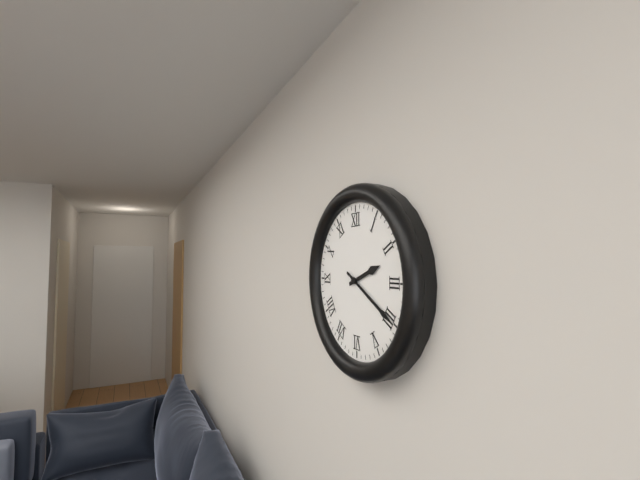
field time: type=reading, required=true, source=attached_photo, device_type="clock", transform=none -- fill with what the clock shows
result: 2:20
